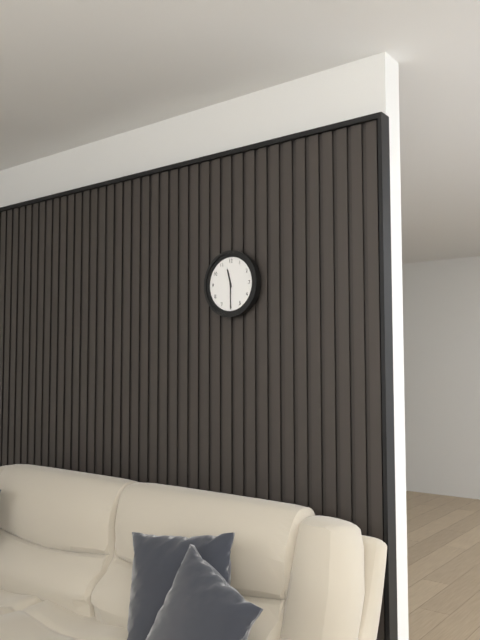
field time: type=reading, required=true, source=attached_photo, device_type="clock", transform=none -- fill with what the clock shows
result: 11:30
